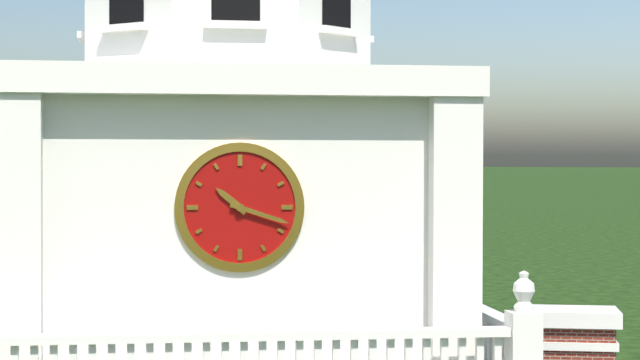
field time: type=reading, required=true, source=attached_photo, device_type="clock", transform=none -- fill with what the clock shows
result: 10:18
